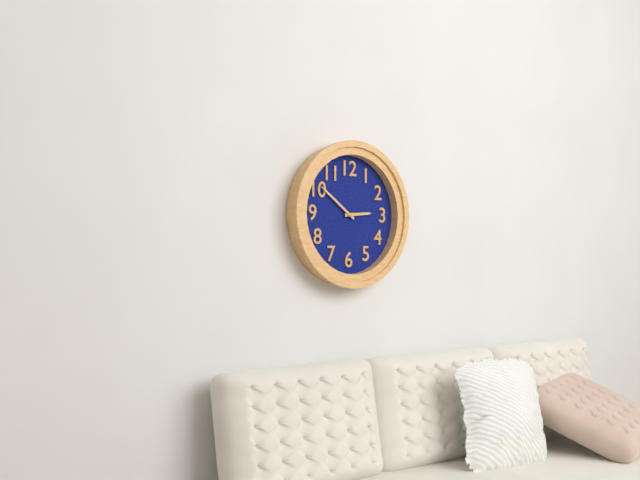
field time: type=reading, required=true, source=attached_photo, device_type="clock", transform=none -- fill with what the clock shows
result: 2:51
